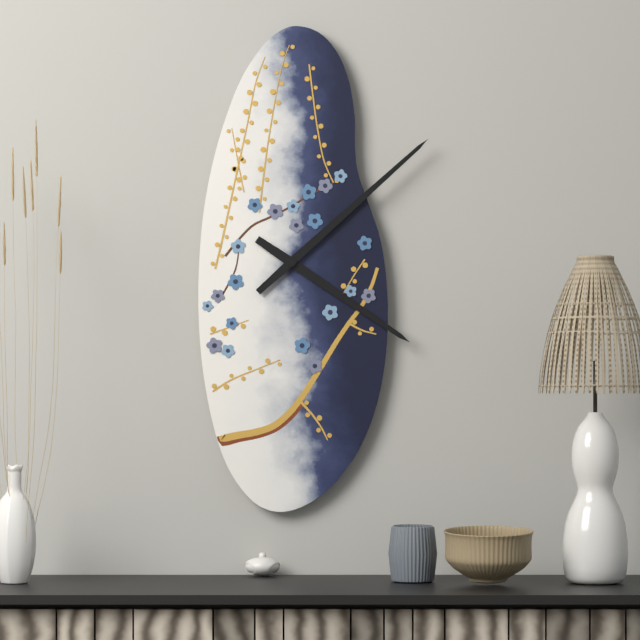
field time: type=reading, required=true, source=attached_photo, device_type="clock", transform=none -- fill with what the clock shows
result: 4:08
